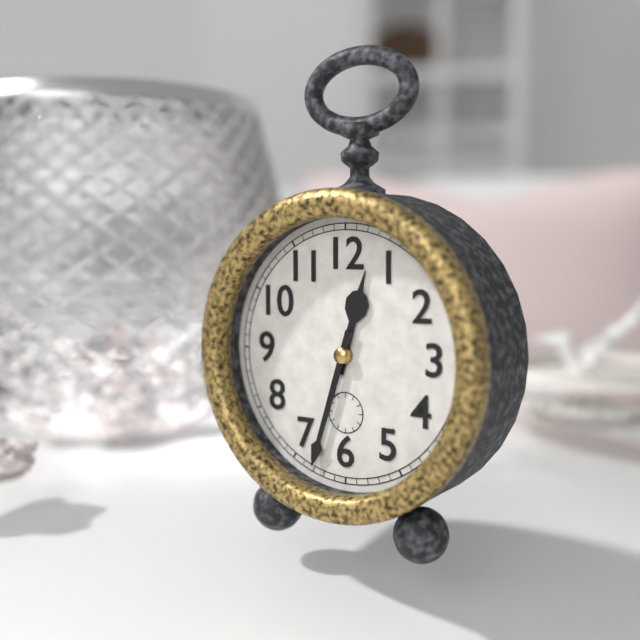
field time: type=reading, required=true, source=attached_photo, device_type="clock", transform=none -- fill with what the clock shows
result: 12:33
